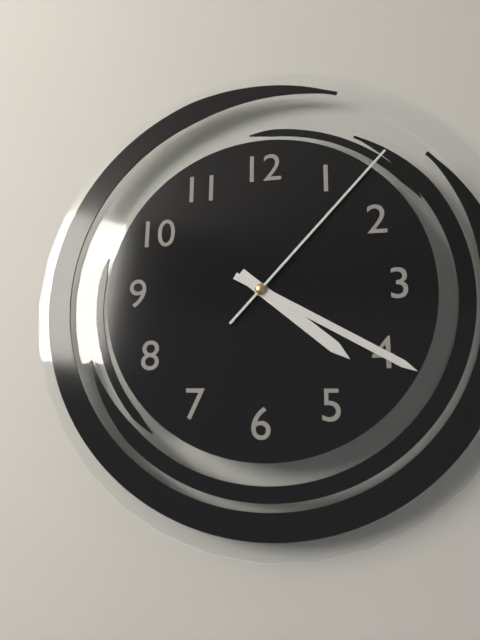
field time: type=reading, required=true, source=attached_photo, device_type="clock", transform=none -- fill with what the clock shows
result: 4:20:07
